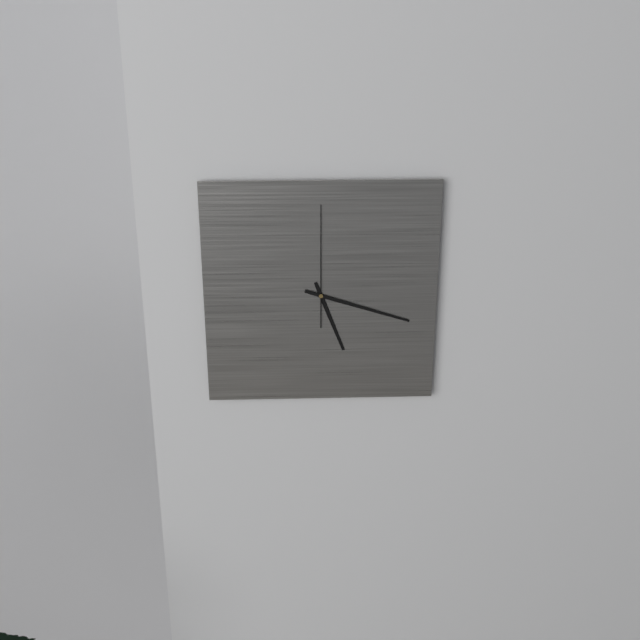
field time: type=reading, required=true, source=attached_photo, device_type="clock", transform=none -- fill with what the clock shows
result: 5:18:00
